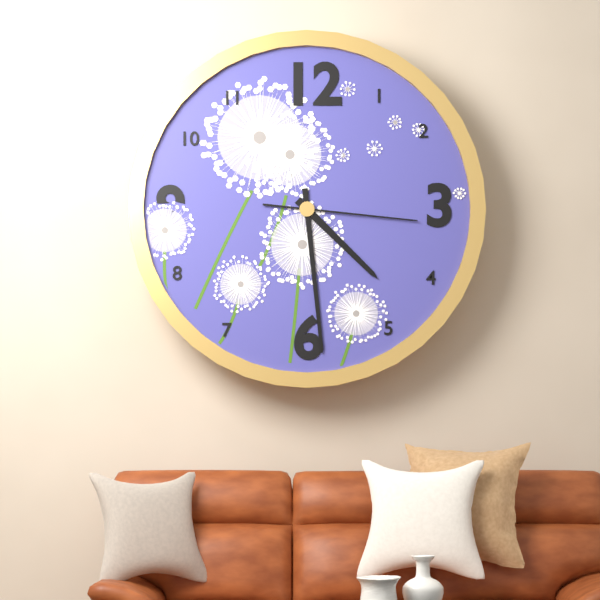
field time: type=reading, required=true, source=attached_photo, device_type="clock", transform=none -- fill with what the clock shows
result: 4:29:16
